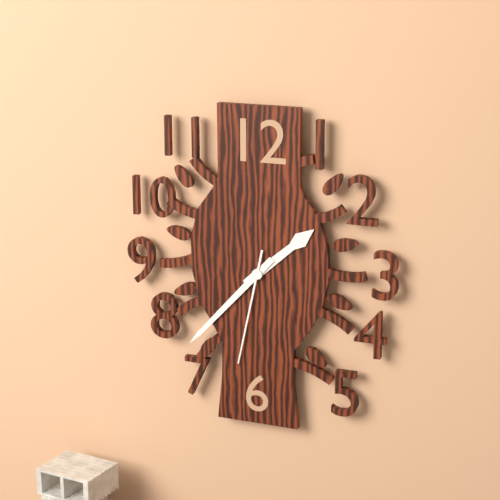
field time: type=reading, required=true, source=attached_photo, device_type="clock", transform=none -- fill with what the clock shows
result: 1:37:32
